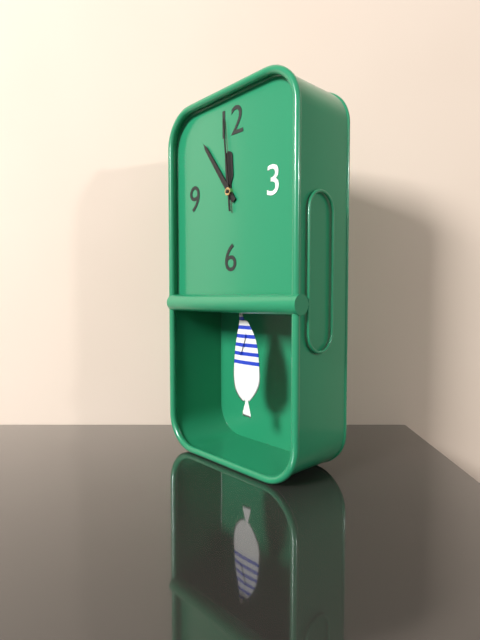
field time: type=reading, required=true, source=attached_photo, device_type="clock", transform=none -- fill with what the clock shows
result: 11:54:59
